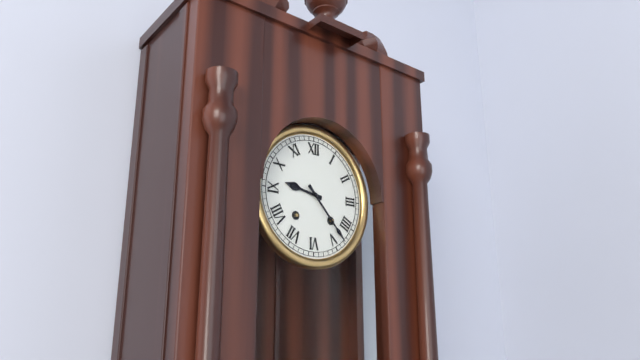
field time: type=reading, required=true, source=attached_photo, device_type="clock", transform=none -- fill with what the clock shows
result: 9:23
